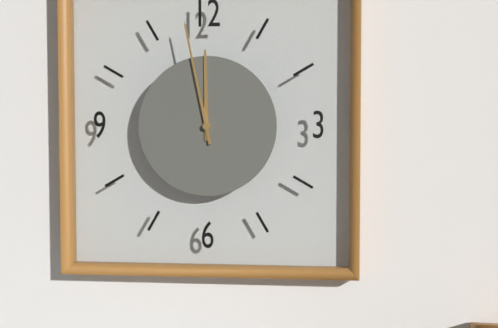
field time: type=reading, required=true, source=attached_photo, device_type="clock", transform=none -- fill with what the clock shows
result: 11:58
